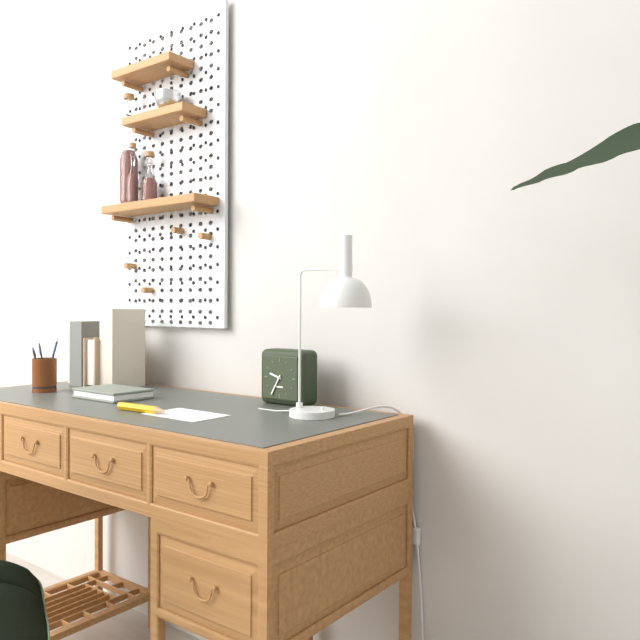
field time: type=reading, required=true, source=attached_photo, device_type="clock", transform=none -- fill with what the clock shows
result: 9:35
